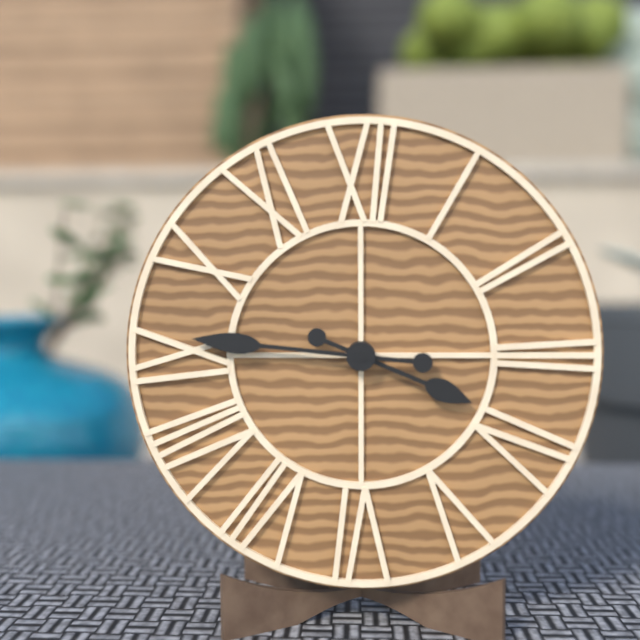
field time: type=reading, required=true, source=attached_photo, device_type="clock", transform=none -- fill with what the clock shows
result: 3:46
